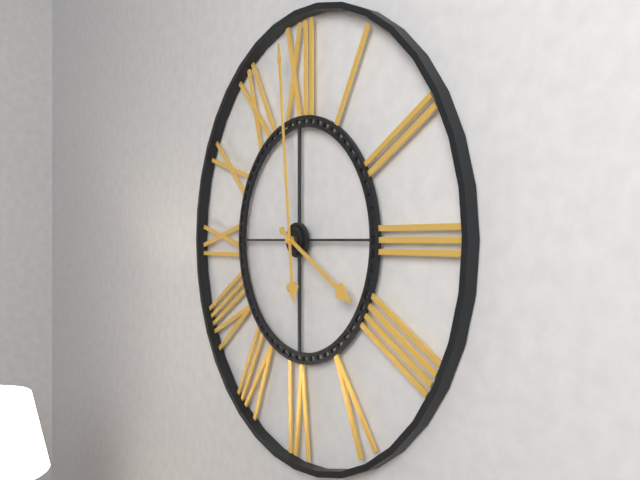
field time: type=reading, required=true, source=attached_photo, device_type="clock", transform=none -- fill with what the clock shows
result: 3:59
